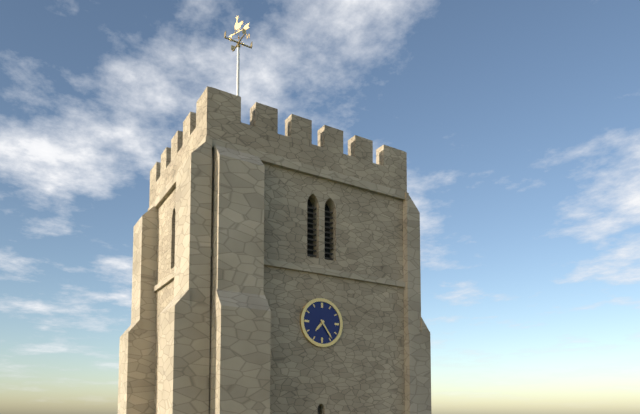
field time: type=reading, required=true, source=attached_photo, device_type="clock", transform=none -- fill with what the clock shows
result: 7:24
